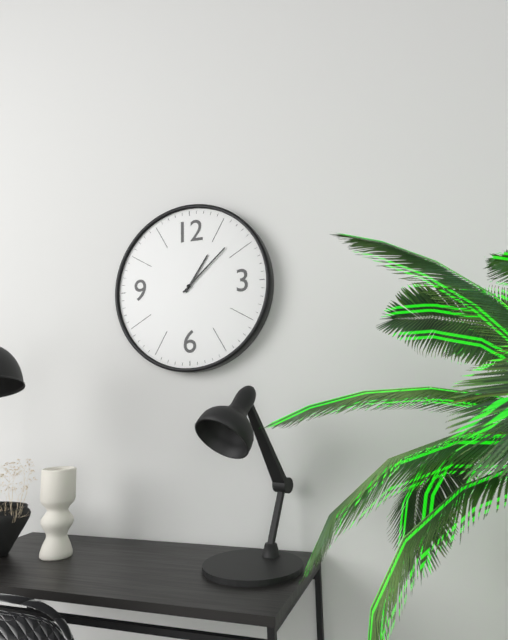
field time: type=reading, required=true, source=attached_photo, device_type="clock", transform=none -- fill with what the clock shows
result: 1:08
